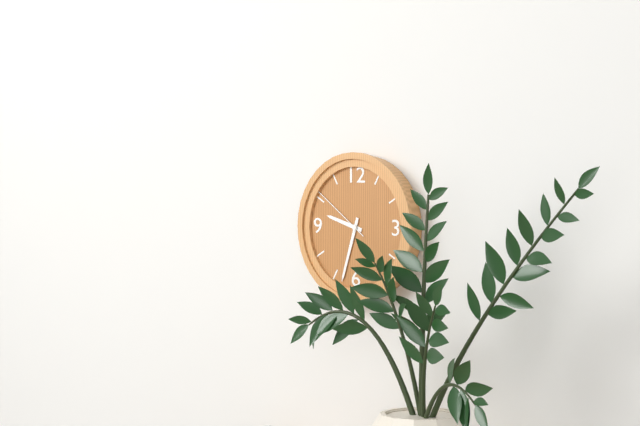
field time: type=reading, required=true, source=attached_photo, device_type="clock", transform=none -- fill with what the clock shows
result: 9:33:51
